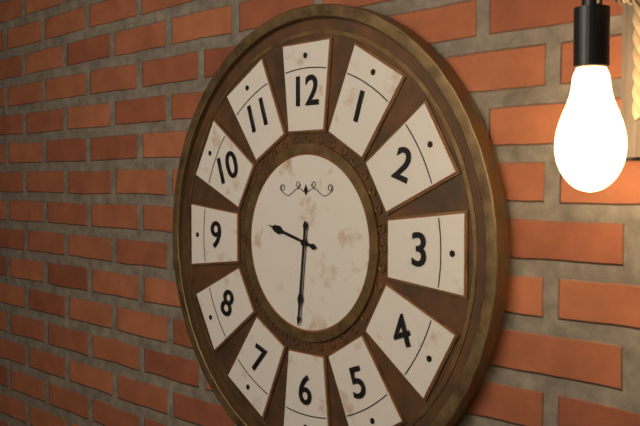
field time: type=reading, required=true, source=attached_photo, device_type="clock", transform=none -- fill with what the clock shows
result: 9:31
